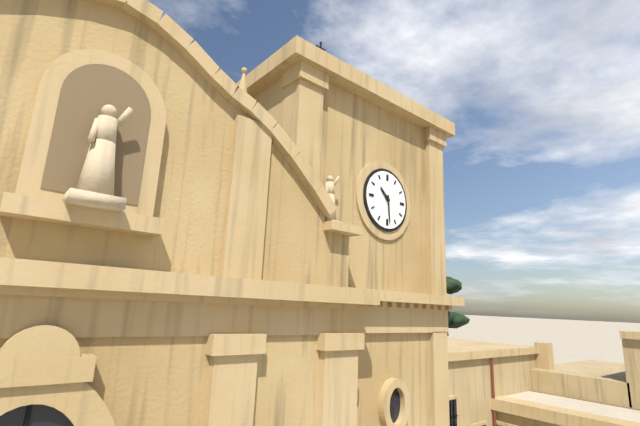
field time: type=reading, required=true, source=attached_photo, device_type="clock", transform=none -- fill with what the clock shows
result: 10:29
